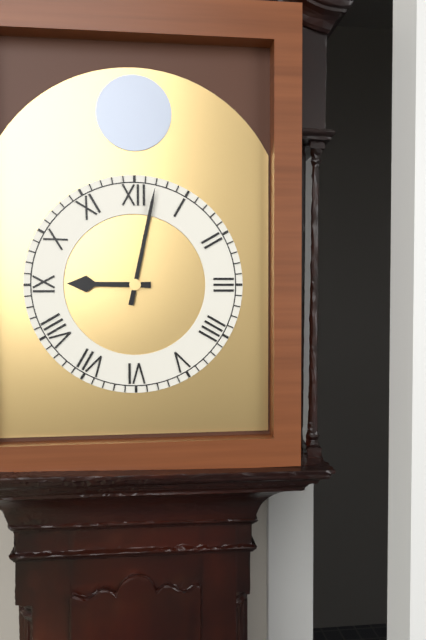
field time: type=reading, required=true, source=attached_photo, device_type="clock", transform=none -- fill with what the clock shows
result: 9:02
